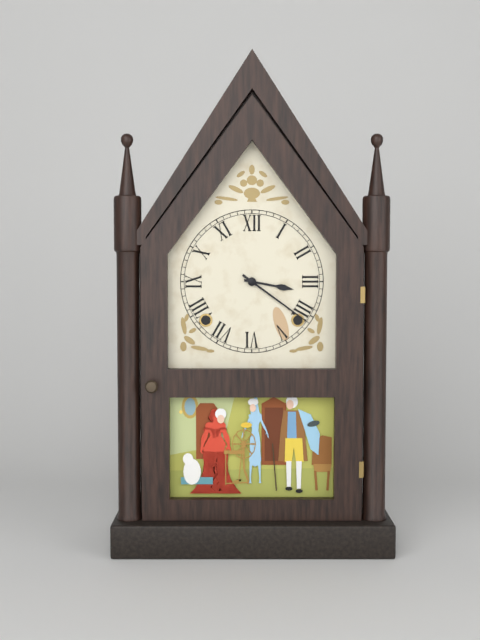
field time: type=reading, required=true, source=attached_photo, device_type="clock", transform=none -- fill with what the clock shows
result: 3:21
